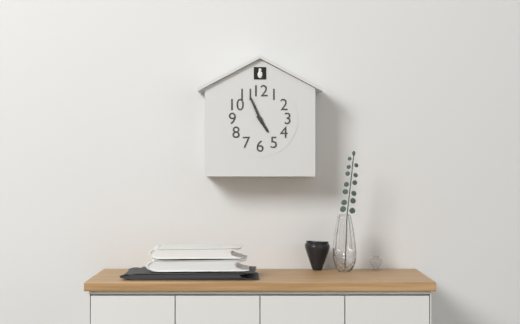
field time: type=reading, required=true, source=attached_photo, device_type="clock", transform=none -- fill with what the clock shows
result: 4:56
